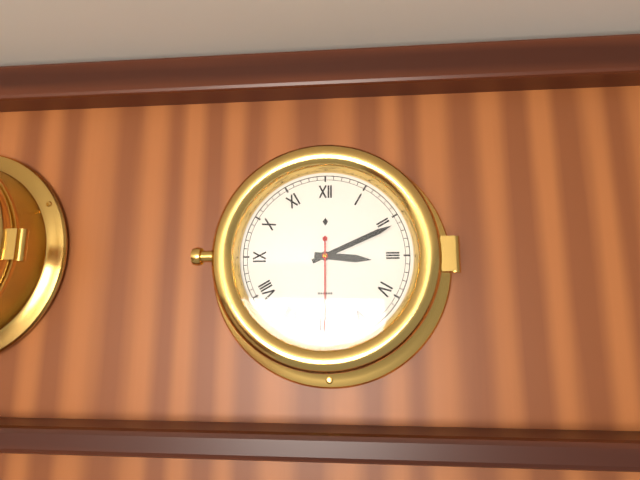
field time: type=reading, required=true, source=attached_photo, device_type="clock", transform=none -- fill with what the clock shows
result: 3:11:30
